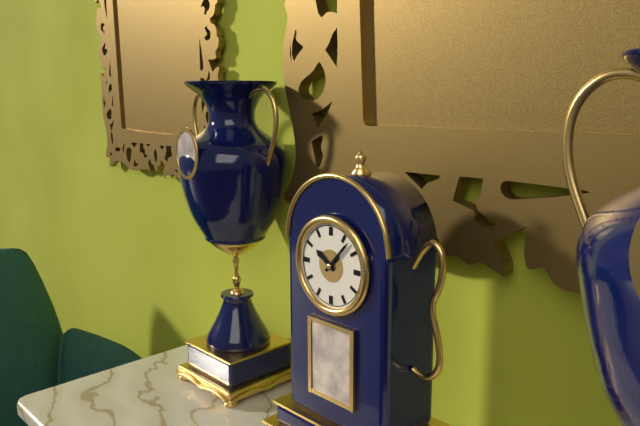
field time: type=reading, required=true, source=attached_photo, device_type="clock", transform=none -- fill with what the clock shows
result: 10:07
